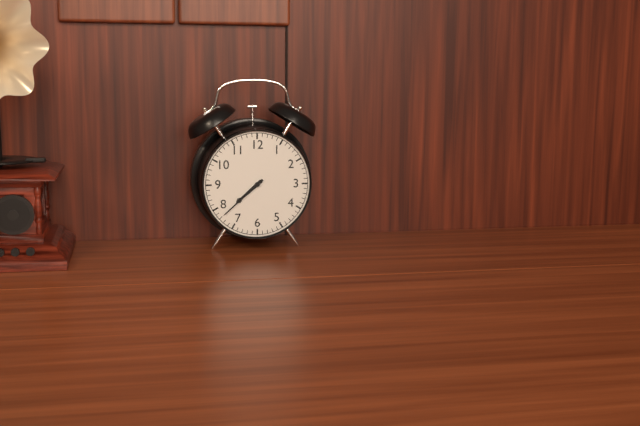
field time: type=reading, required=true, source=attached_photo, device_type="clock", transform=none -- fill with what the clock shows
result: 7:38
